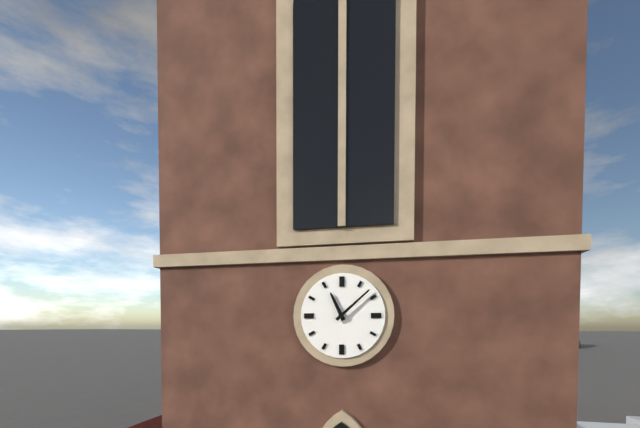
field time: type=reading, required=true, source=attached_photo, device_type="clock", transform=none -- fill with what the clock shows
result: 11:08
